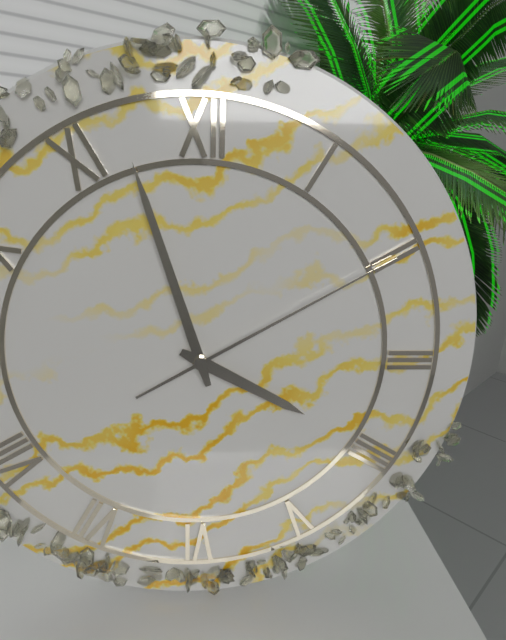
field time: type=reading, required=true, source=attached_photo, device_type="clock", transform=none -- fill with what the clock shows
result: 3:57:10
